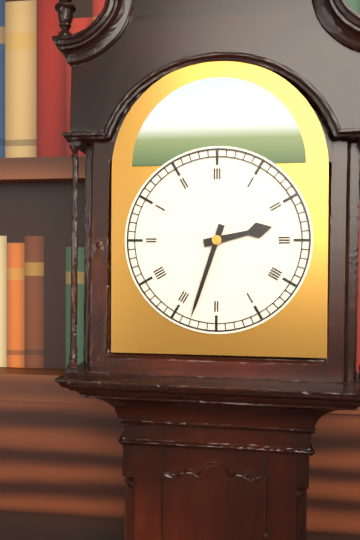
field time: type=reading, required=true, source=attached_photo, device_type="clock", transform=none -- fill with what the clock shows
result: 2:33
